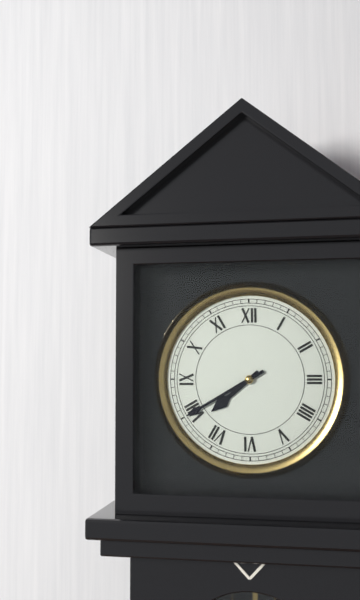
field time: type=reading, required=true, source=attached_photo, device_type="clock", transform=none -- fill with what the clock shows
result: 7:40
